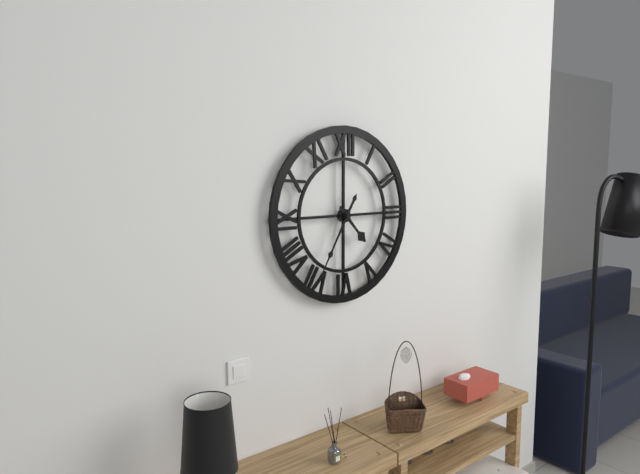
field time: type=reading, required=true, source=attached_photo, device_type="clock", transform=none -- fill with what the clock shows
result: 4:35
